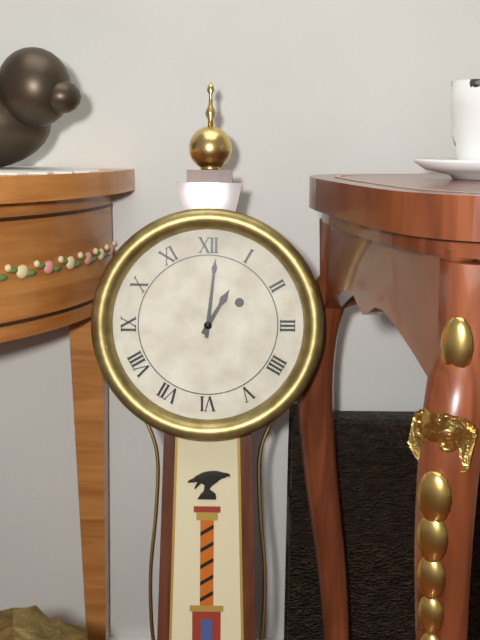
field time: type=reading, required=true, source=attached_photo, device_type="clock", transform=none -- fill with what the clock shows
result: 1:01
